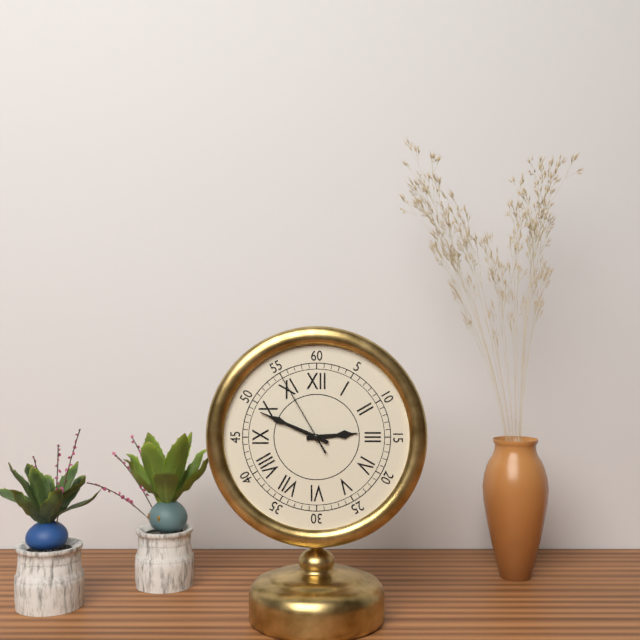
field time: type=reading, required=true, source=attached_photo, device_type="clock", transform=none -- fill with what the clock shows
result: 2:49:55
